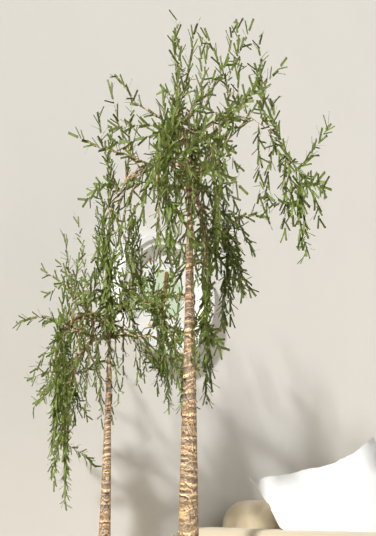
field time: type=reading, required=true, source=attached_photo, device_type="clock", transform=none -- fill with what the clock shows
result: 12:15
